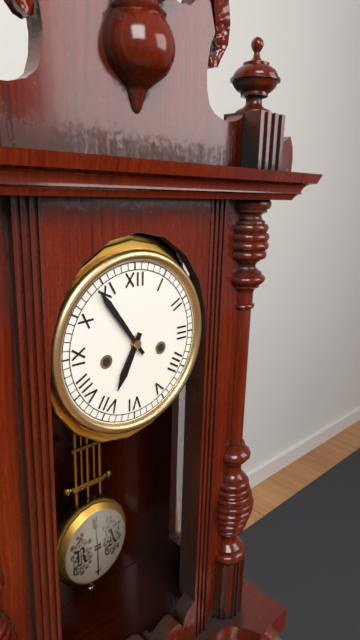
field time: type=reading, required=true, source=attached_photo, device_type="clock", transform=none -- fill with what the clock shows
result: 6:54
